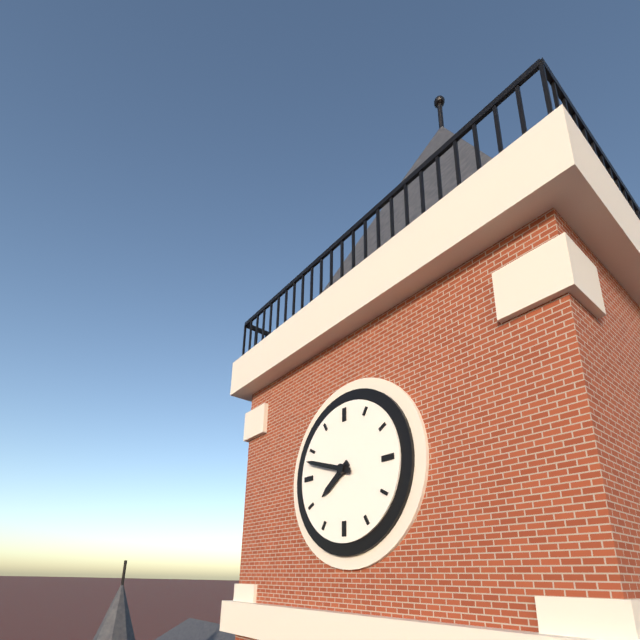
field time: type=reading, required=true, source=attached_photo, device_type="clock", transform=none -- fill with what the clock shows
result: 7:48
